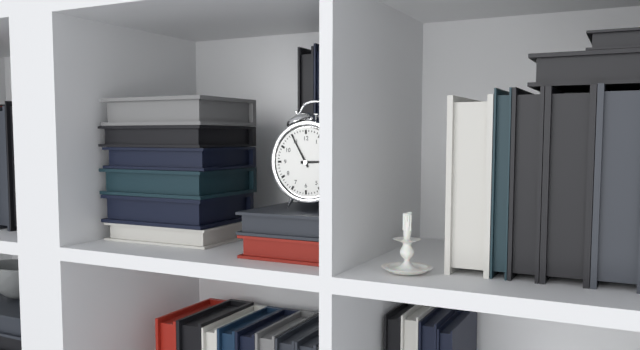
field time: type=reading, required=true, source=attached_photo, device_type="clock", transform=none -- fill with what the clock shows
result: 2:55
